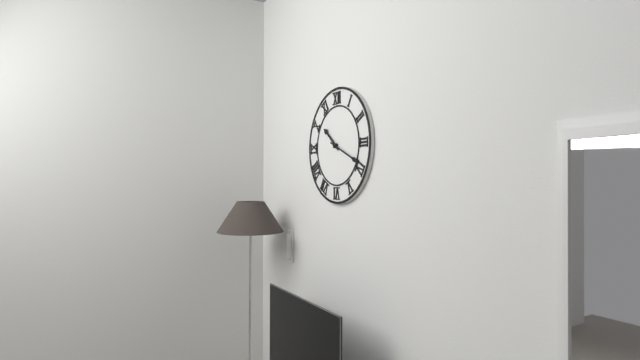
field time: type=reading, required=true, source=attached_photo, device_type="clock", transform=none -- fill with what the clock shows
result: 10:19
